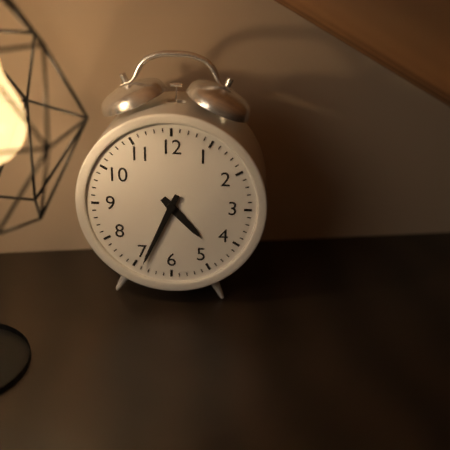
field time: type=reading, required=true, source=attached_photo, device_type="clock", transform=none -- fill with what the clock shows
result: 4:34
